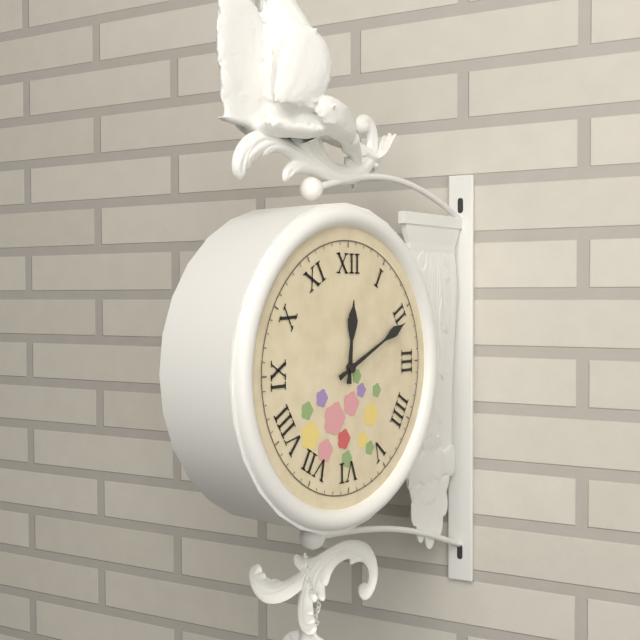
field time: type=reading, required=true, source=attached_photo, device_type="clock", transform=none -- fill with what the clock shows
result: 12:11
